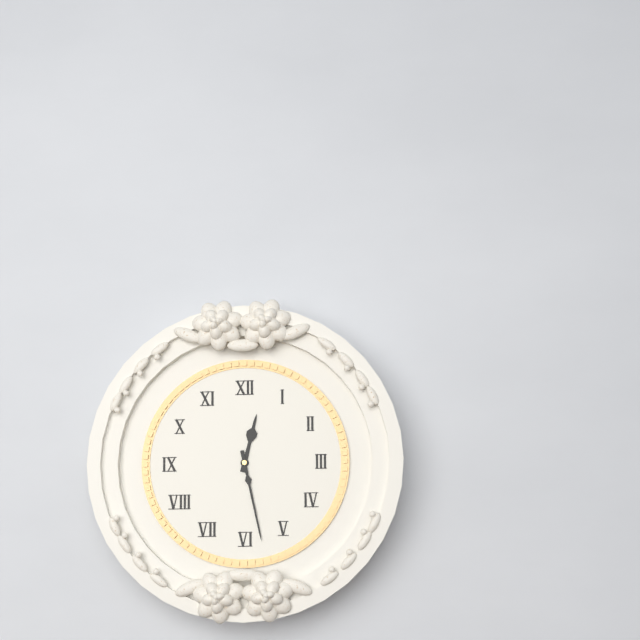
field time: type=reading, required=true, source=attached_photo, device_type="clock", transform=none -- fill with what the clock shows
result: 12:28
